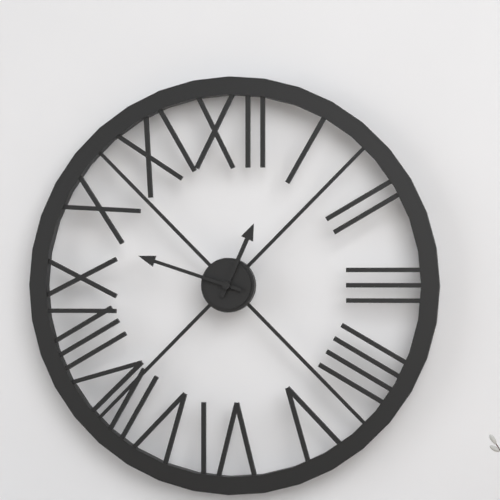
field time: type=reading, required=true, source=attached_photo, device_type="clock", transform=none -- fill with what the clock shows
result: 12:48
